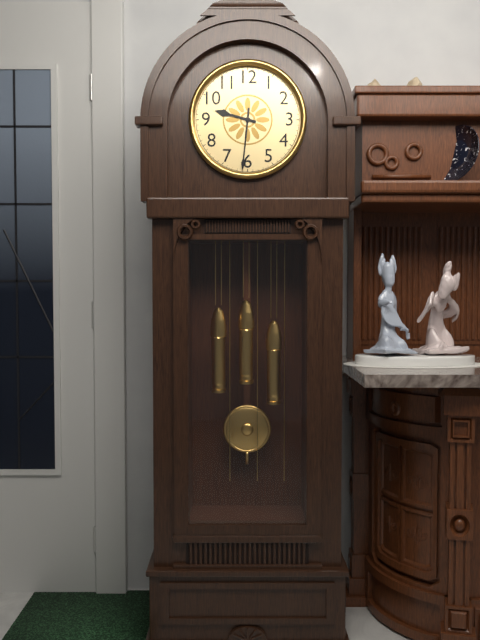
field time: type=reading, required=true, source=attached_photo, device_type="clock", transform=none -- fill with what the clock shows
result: 9:31
